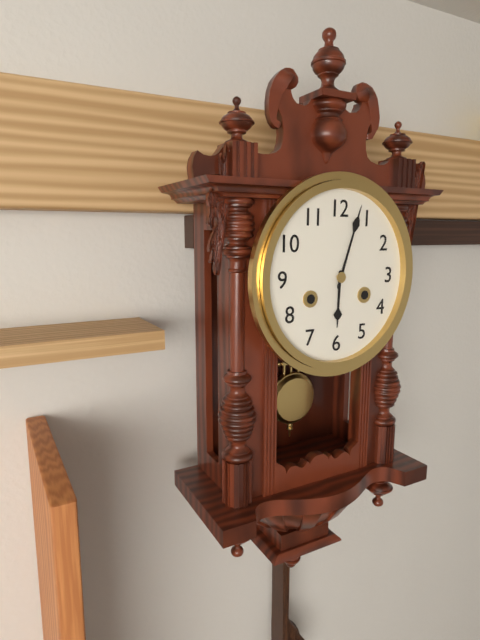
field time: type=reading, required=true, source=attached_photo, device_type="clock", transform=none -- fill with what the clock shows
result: 6:03
